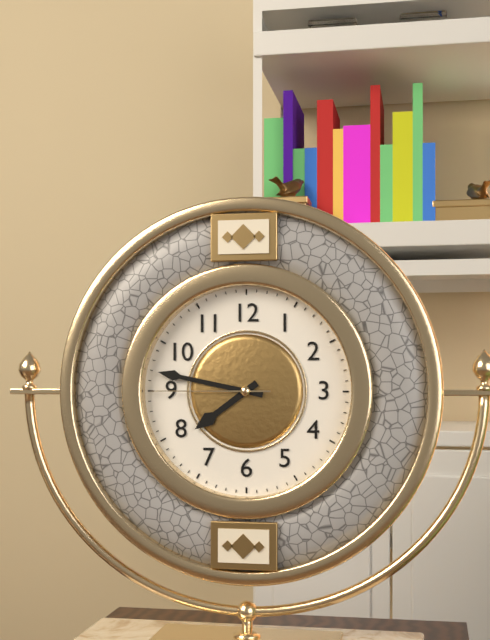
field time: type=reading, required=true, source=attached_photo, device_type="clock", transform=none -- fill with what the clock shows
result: 7:47:45
